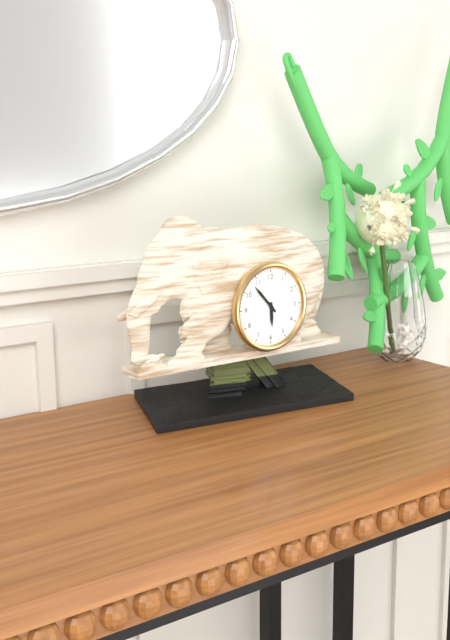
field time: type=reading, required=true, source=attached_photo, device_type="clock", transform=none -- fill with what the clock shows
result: 5:53
